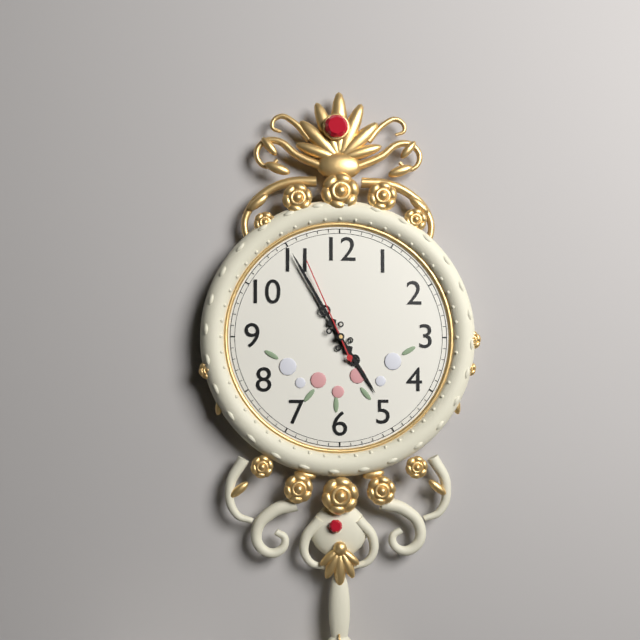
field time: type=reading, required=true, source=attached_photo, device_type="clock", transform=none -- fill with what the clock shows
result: 4:55:56
